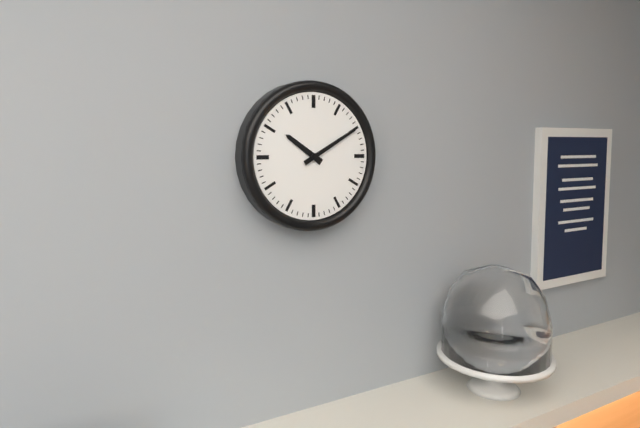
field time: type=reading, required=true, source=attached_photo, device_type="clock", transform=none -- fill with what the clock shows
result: 10:10
